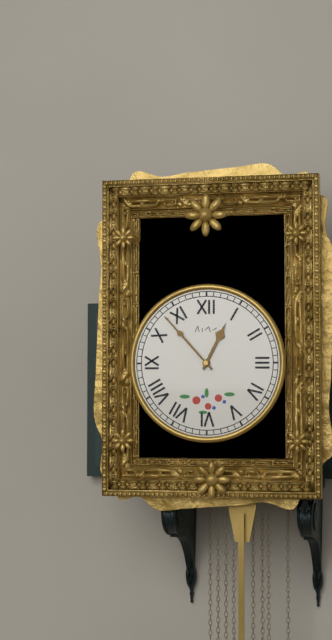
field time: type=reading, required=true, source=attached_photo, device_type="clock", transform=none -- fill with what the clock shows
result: 12:53
